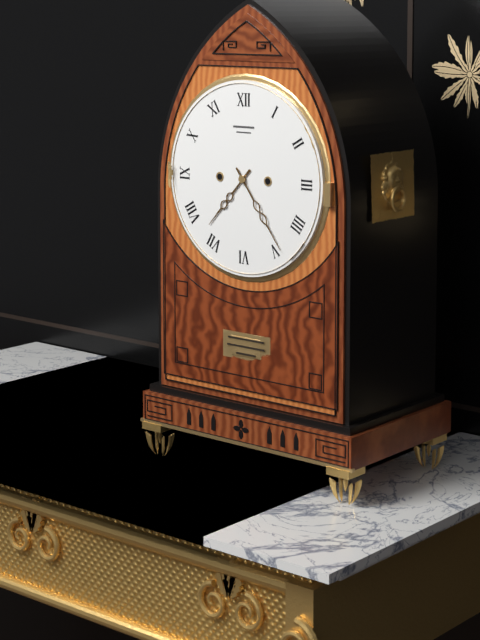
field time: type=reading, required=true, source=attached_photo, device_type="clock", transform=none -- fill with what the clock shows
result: 7:24
